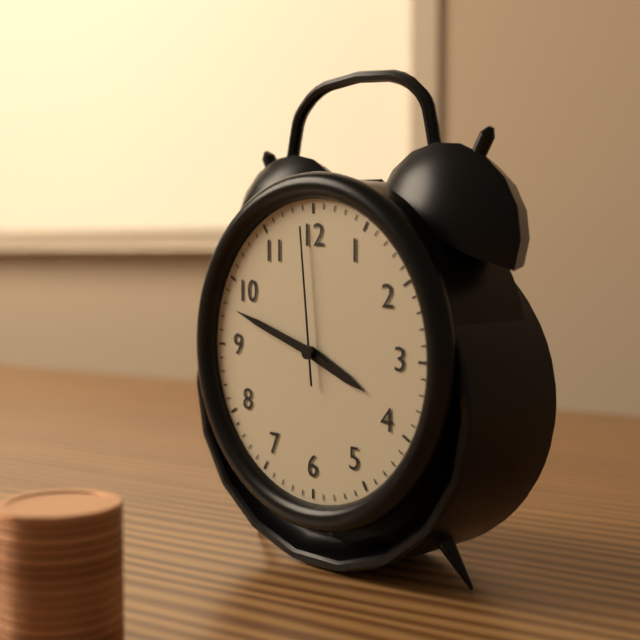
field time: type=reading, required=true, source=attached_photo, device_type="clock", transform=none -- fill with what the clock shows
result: 3:48:59
